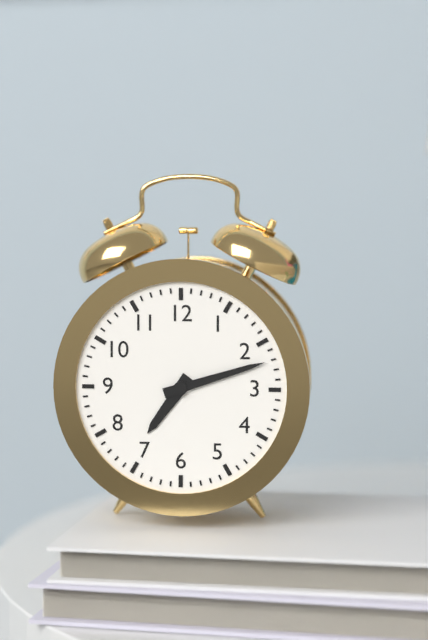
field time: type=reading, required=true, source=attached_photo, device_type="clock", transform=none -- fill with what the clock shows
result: 7:12
